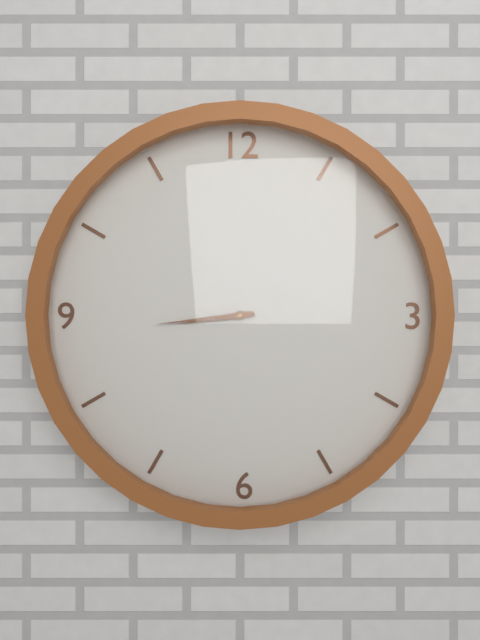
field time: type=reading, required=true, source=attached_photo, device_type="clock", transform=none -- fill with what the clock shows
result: 8:44
